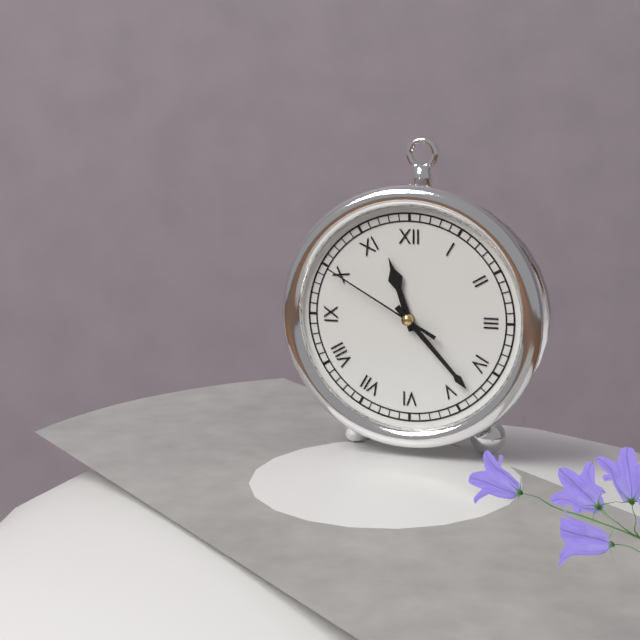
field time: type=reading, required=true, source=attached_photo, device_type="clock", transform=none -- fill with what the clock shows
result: 11:23:50
